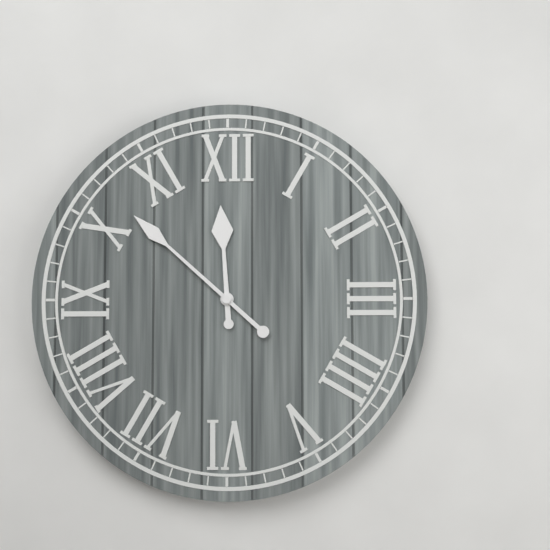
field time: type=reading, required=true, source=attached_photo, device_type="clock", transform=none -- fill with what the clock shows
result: 11:52
